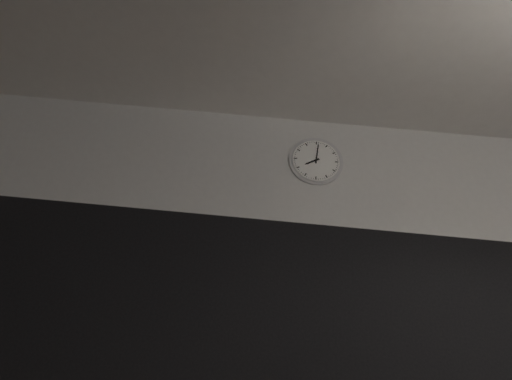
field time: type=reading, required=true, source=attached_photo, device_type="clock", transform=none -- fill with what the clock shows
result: 8:01
